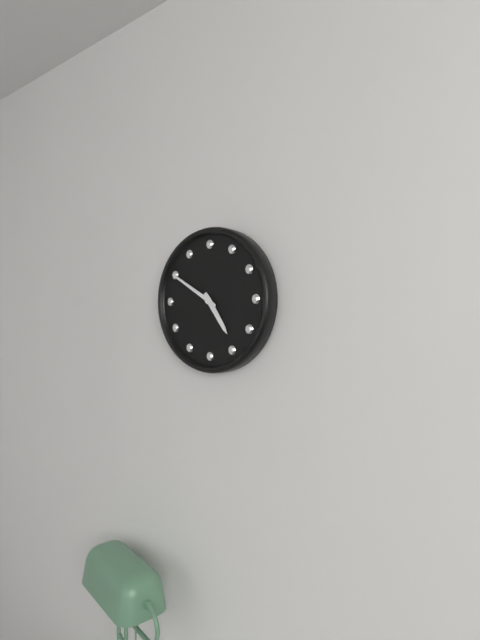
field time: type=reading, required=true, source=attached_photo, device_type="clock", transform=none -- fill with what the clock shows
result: 4:50
